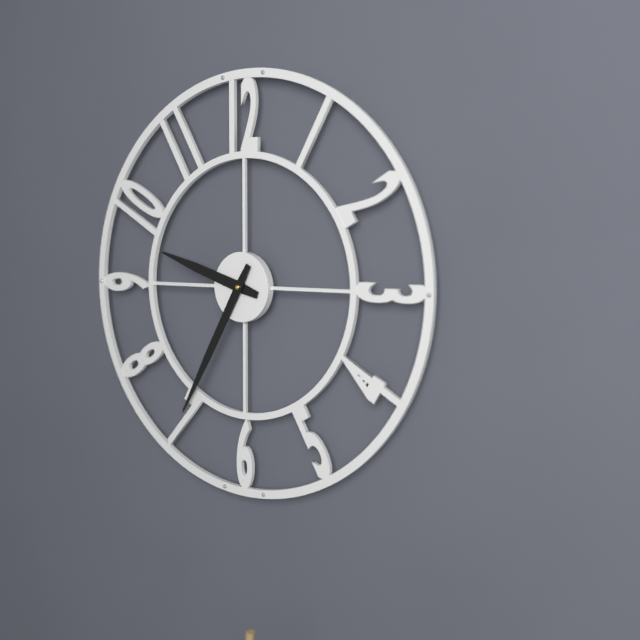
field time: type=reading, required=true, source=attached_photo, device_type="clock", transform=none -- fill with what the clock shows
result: 9:35
